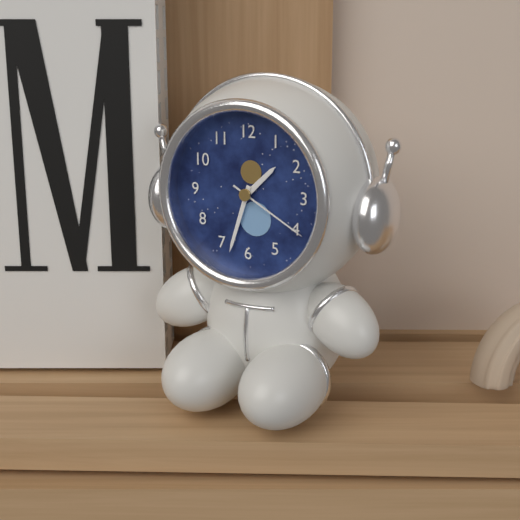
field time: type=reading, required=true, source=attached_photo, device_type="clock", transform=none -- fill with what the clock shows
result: 1:33:20
